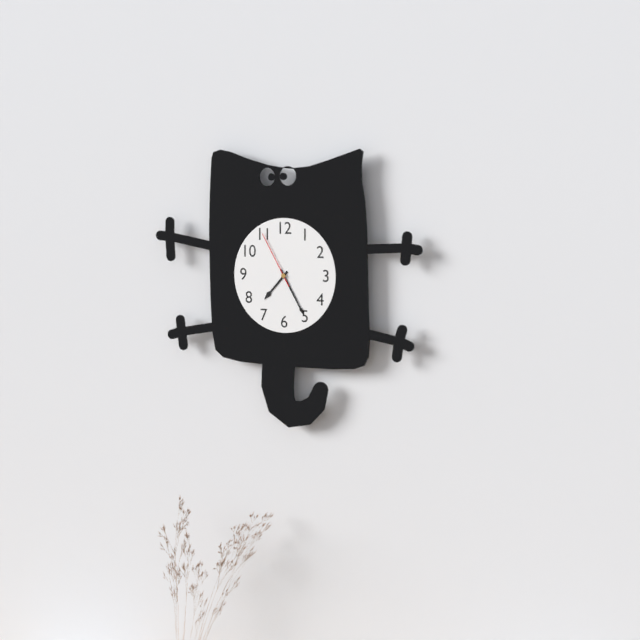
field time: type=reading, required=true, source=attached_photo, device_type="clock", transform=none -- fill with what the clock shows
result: 7:25:55
